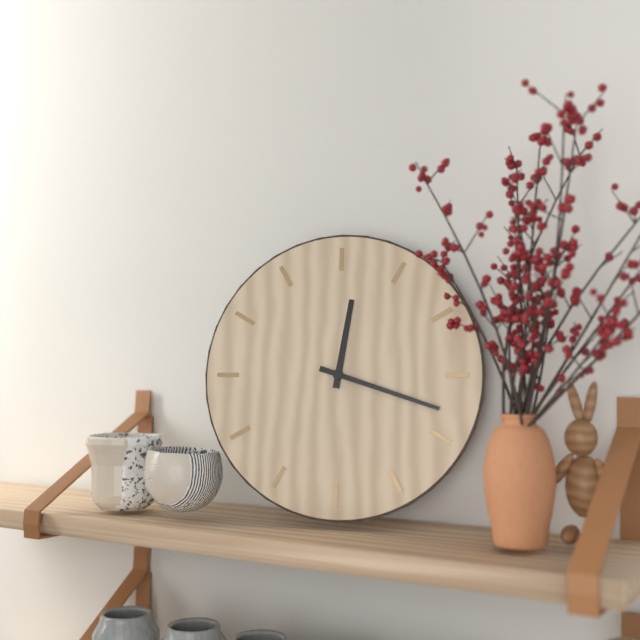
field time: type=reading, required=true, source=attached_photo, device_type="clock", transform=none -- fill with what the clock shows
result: 12:18
